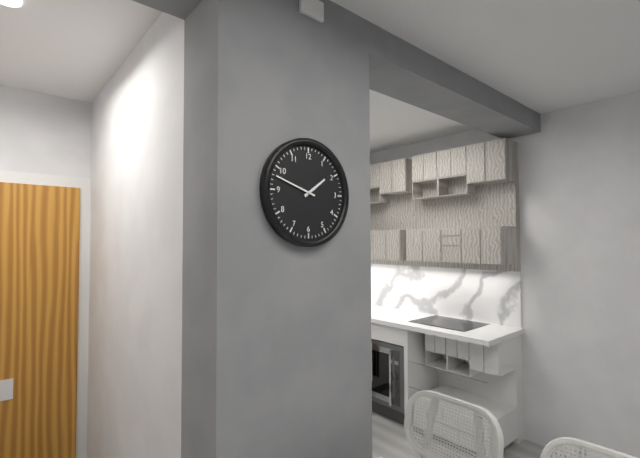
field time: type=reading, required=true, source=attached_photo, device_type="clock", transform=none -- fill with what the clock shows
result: 1:48
